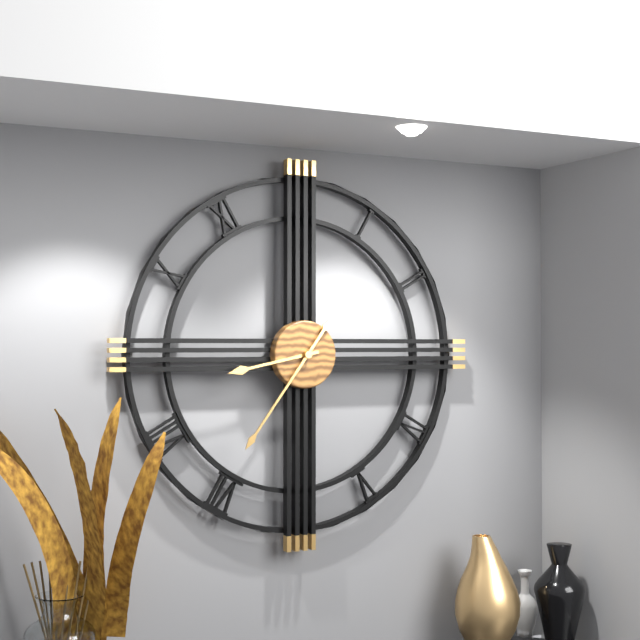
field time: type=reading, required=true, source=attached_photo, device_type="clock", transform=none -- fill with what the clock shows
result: 8:36
